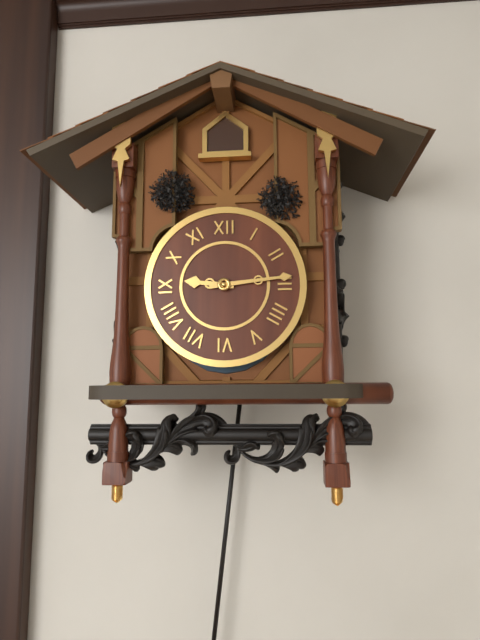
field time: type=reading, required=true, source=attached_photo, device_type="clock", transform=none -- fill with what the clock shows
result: 9:14
